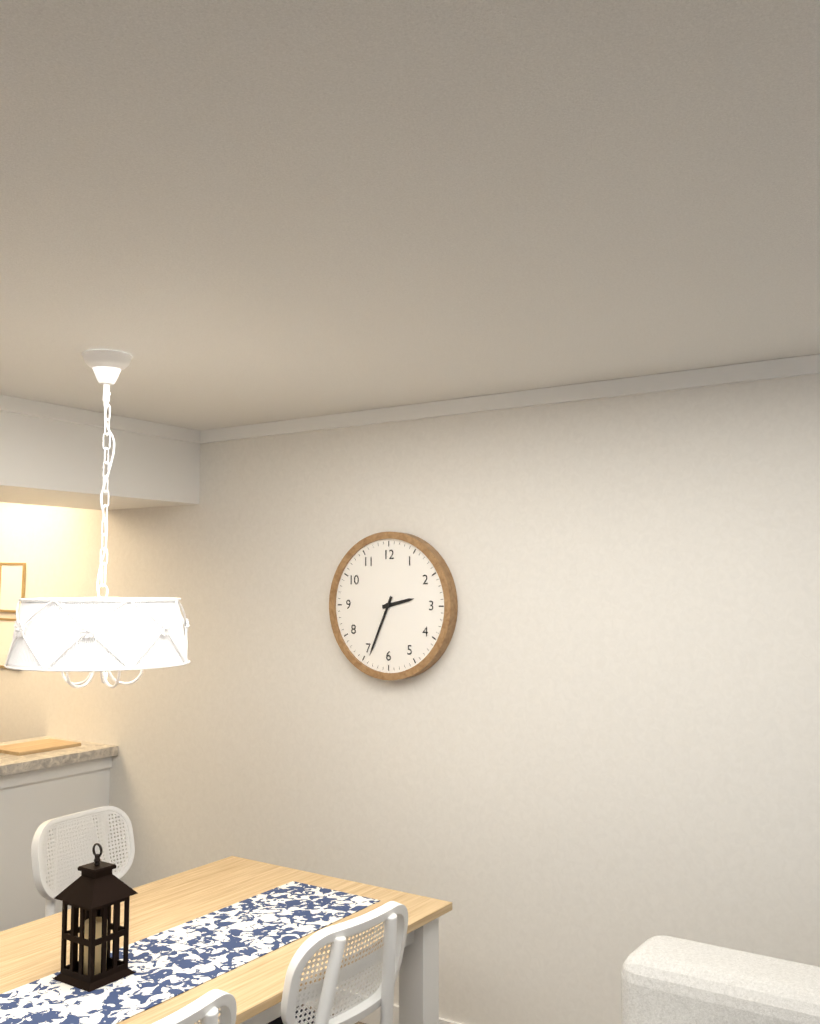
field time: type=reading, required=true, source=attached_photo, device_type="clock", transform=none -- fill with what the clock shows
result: 2:34
